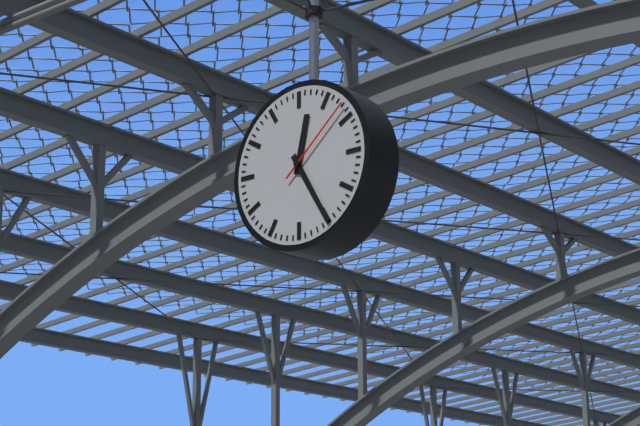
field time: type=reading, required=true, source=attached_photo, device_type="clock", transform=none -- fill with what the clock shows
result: 12:25:08
